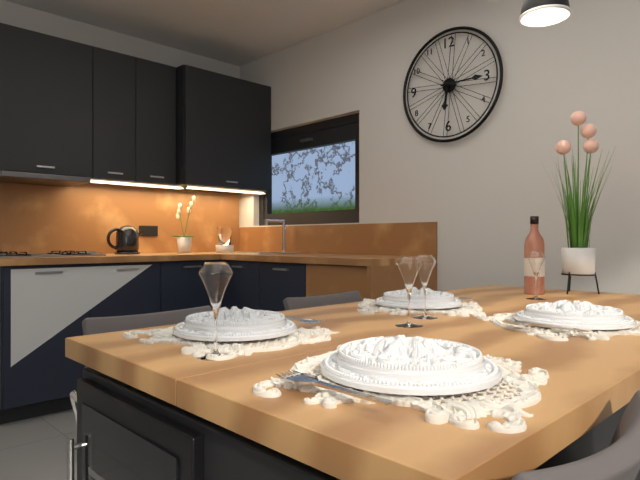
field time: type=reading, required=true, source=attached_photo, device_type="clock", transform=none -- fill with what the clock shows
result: 6:15
